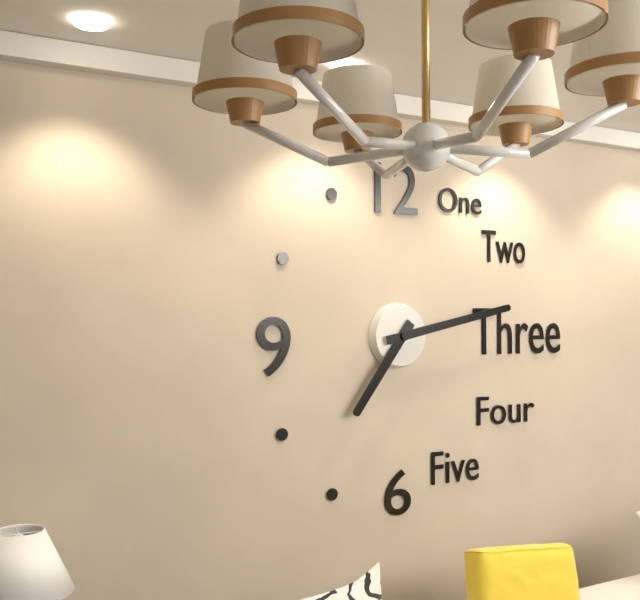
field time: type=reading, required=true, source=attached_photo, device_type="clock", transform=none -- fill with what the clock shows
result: 7:13
